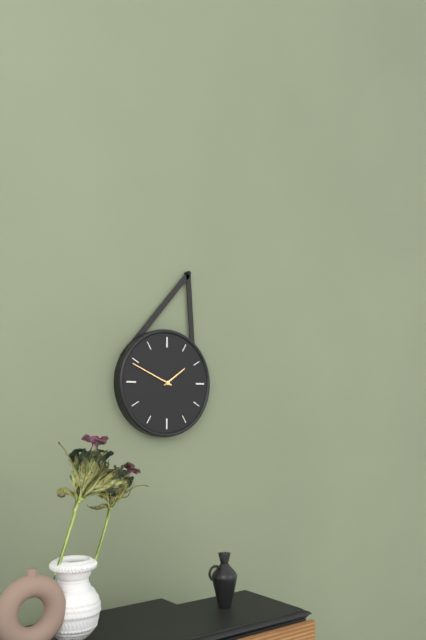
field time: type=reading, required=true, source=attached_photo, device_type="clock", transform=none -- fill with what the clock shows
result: 1:49
